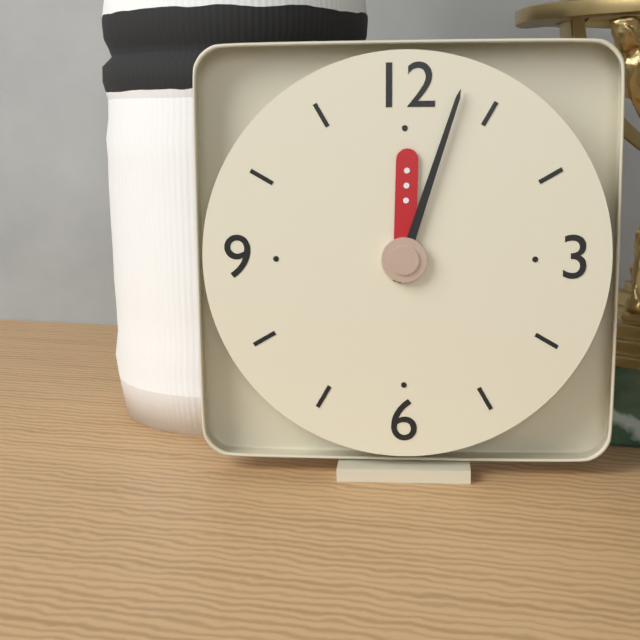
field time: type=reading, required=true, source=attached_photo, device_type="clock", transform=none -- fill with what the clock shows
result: 12:03
